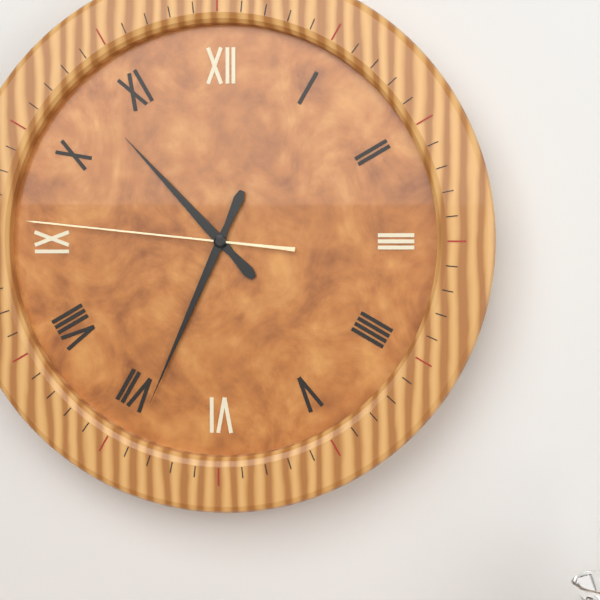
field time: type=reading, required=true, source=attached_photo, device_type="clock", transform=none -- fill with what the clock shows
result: 10:34:46
